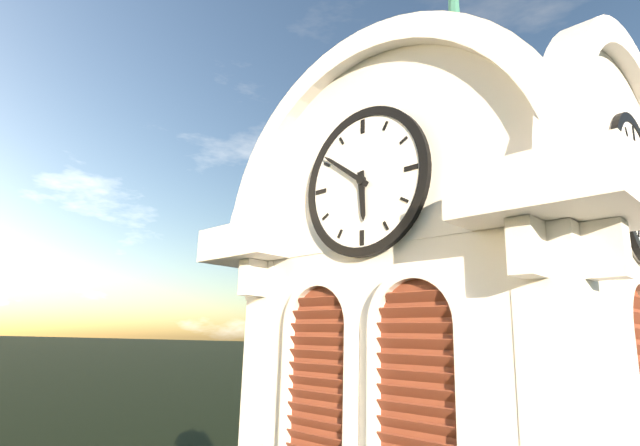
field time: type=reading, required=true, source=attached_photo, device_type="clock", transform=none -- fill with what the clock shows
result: 5:51
